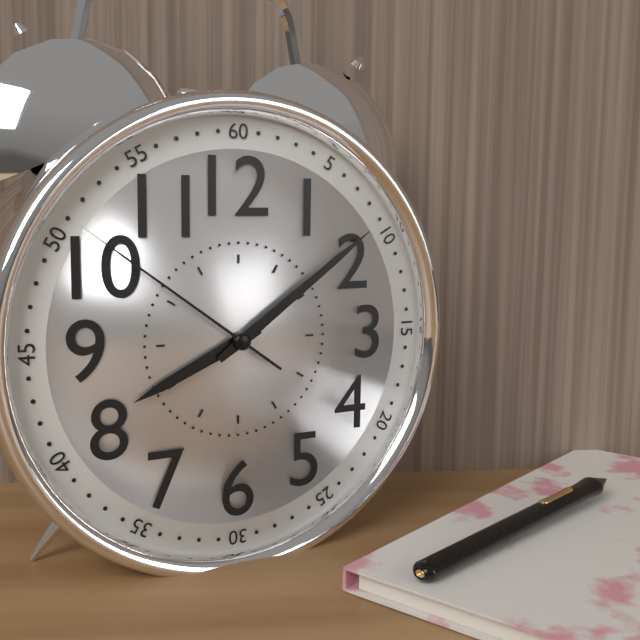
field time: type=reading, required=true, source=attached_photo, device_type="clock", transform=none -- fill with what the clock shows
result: 8:09:51
